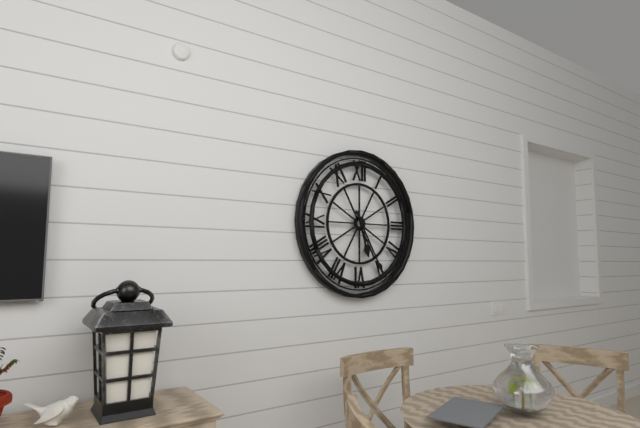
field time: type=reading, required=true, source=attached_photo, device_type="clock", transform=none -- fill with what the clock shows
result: 5:25
